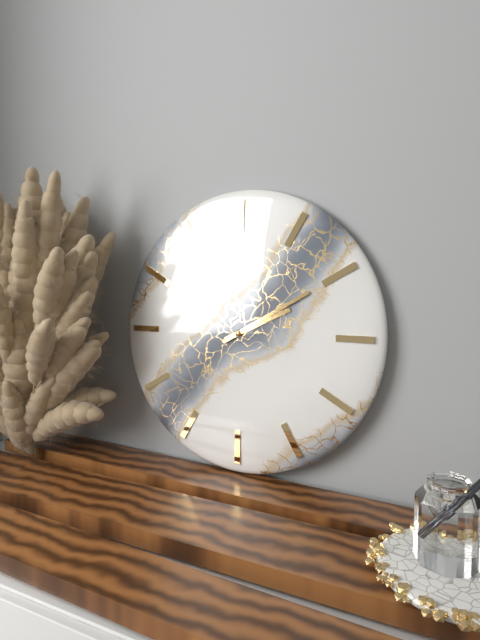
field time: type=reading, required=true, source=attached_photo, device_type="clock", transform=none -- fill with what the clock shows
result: 2:10
